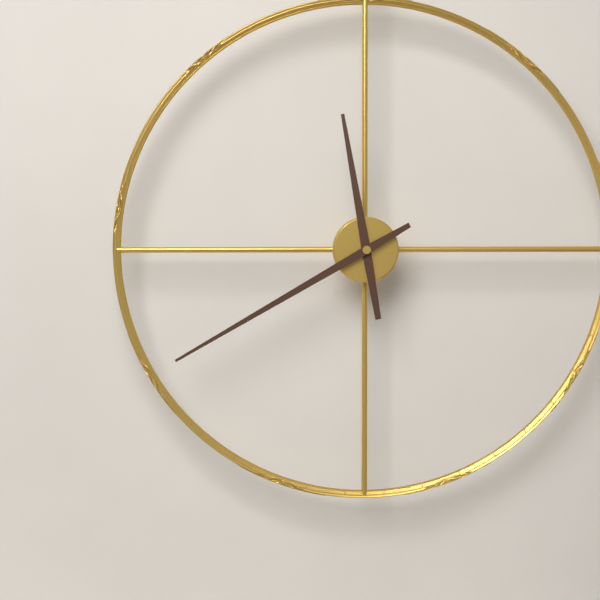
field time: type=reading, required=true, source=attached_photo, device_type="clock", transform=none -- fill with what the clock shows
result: 11:40
